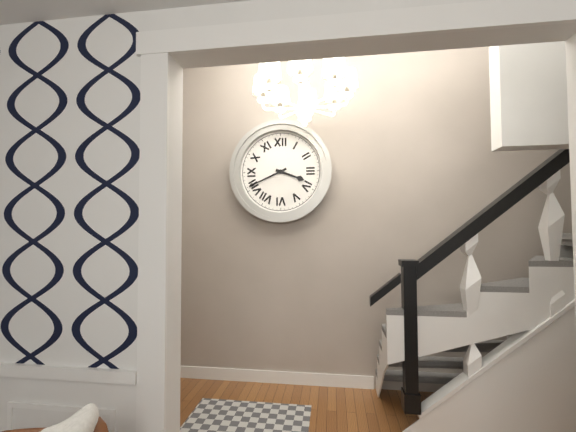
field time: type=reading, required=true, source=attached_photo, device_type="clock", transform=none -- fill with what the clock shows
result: 3:41
